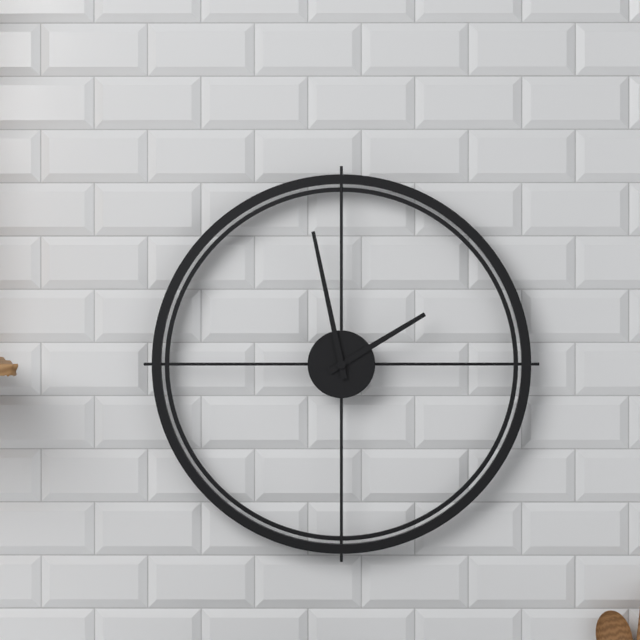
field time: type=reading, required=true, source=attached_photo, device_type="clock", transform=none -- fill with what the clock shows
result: 1:58
